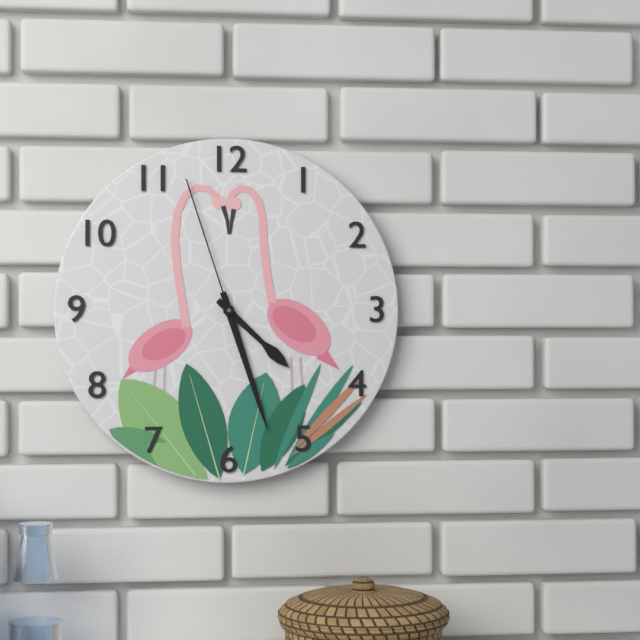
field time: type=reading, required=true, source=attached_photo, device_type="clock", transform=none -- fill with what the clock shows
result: 4:27:57
